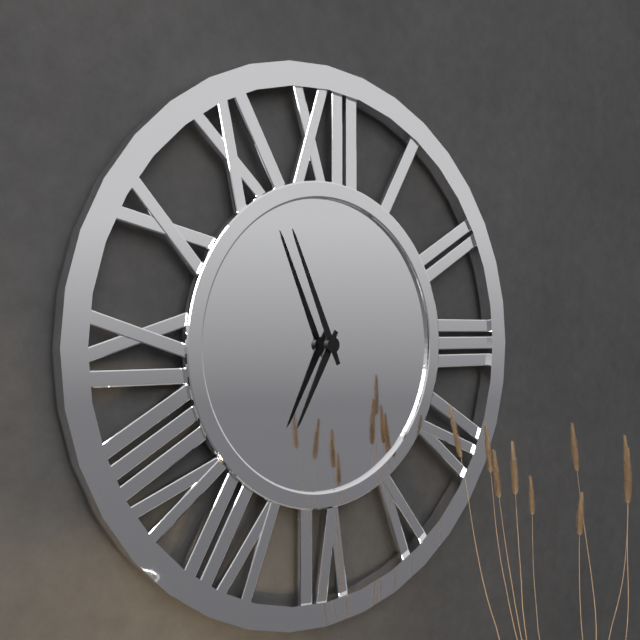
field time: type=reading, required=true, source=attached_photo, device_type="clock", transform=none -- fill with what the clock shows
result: 6:56
